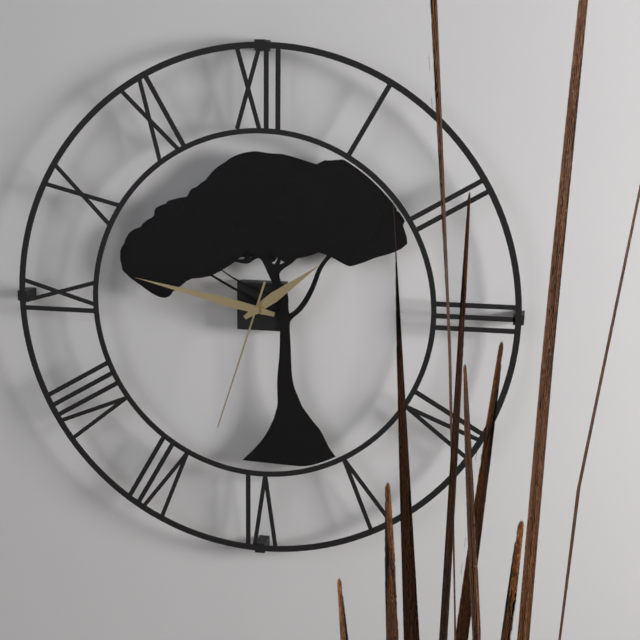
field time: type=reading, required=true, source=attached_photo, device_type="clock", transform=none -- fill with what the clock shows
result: 1:47:33
